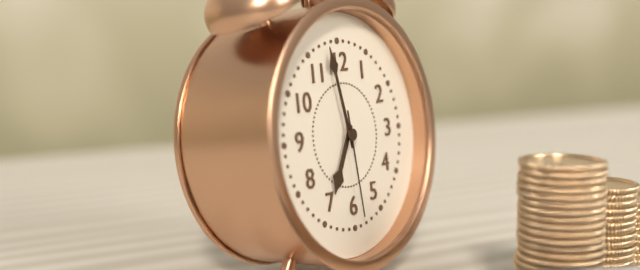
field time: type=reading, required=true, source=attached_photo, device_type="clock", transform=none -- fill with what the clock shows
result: 6:58:29
